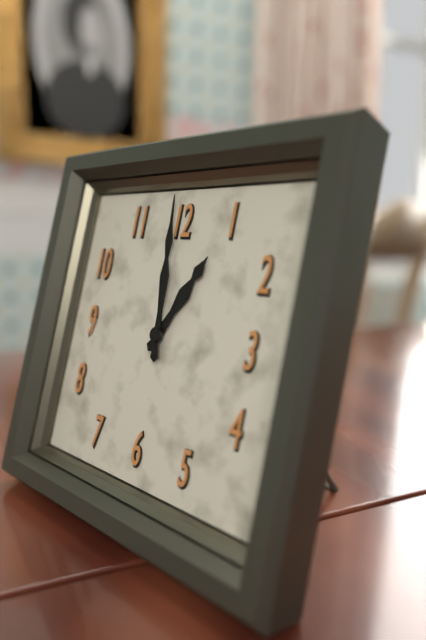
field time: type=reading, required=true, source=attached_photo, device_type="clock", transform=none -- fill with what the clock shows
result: 12:59
